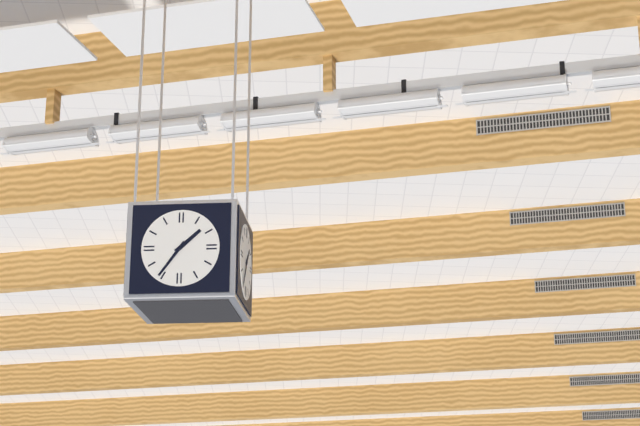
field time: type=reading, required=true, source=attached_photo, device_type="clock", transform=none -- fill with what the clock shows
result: 1:36
